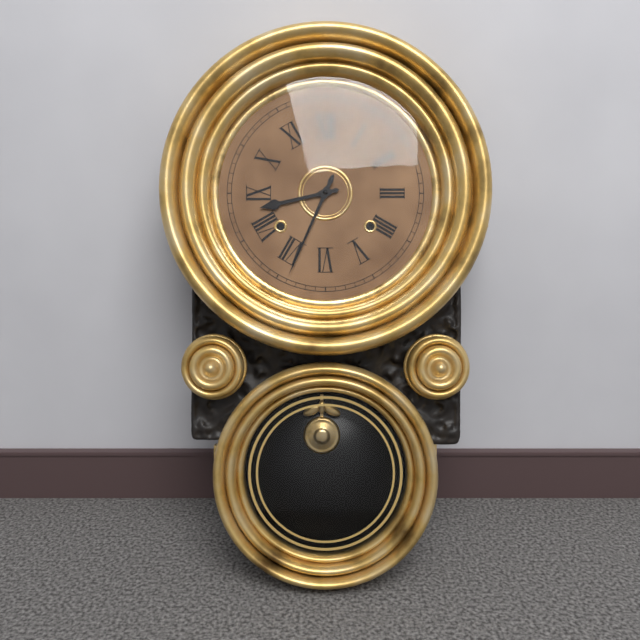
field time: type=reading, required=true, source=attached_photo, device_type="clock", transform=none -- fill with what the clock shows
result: 8:34
